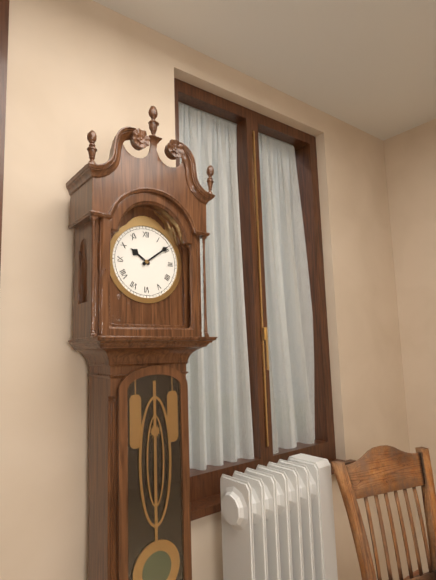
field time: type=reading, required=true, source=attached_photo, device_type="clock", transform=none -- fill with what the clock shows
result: 10:09
